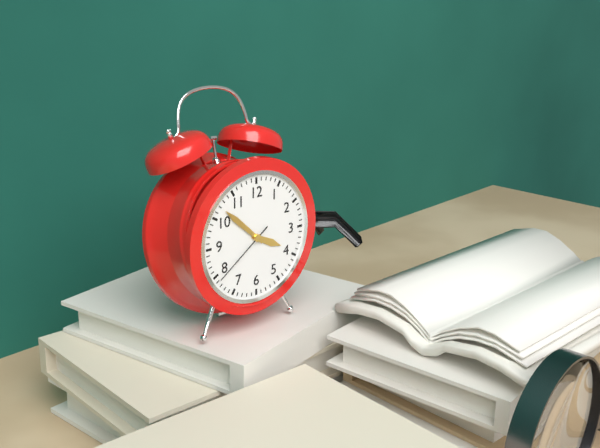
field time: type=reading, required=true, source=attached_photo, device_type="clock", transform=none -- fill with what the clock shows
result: 3:52:39
